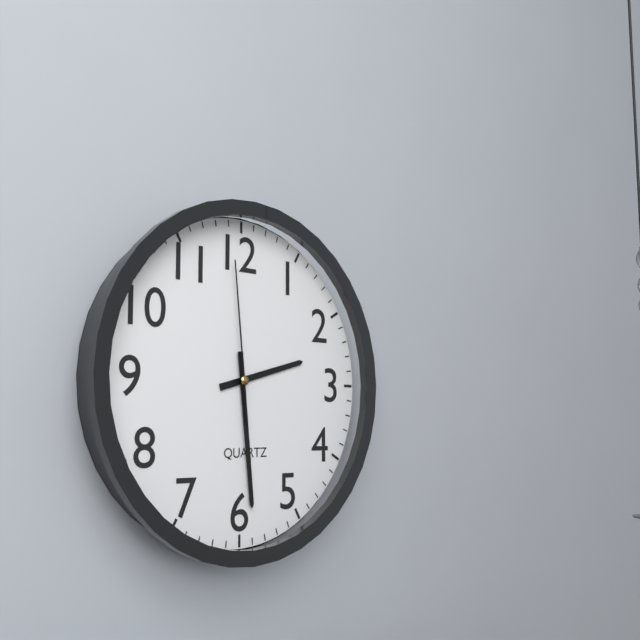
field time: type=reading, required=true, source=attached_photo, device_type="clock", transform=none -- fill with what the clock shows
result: 2:29:59
